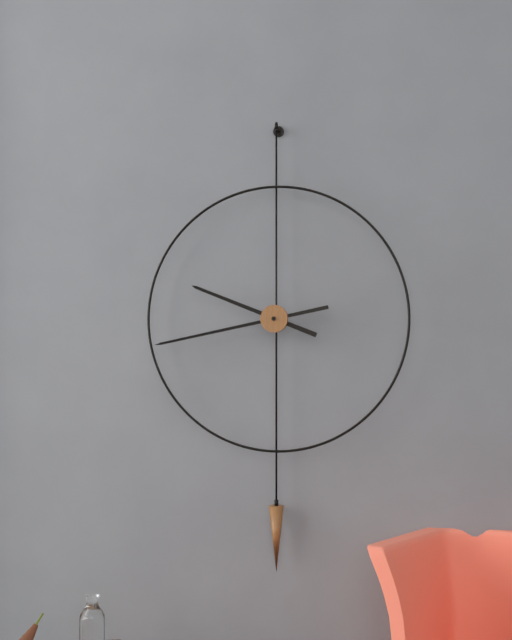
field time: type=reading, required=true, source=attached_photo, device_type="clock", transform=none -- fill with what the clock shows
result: 9:43
